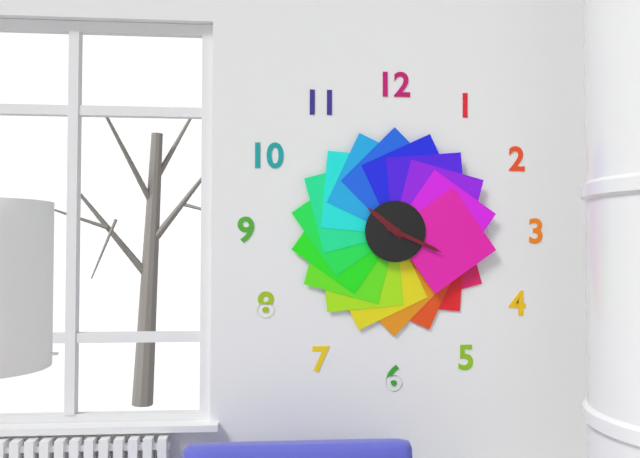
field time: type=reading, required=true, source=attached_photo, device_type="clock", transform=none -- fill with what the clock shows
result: 10:19
